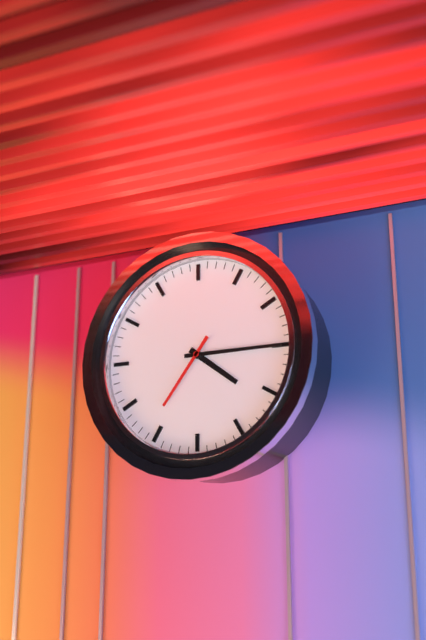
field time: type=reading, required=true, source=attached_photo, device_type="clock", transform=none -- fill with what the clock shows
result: 4:15:36
